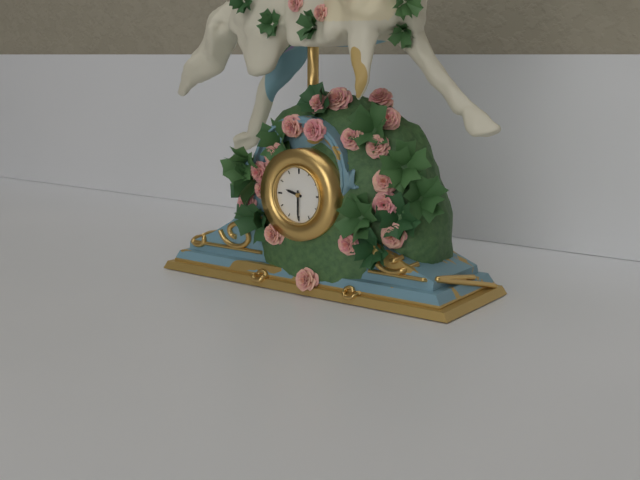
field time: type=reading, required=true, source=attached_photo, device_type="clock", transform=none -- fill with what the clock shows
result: 9:30
